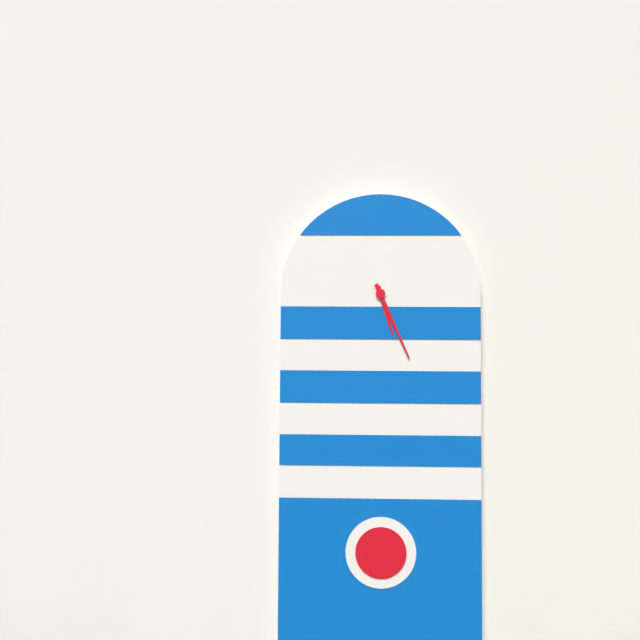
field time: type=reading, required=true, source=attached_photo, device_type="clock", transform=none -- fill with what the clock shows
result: 5:26
